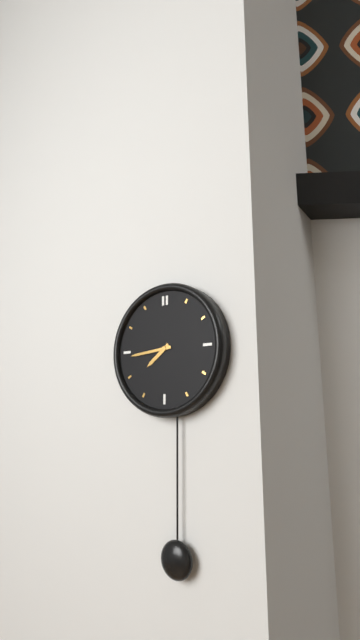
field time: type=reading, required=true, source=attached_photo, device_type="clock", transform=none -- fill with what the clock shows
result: 7:44
